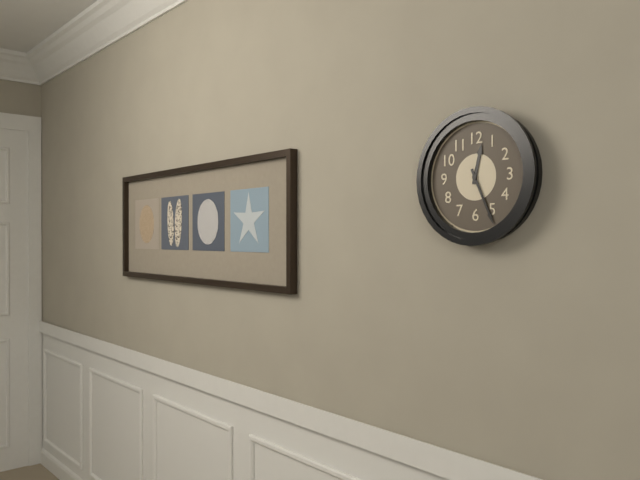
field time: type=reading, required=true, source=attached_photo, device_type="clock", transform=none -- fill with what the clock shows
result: 12:26
